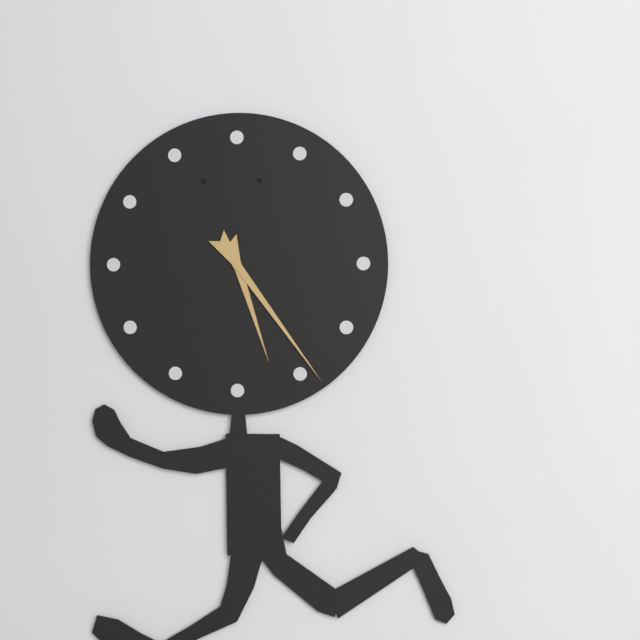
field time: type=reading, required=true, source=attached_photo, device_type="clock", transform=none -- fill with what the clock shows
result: 5:24
